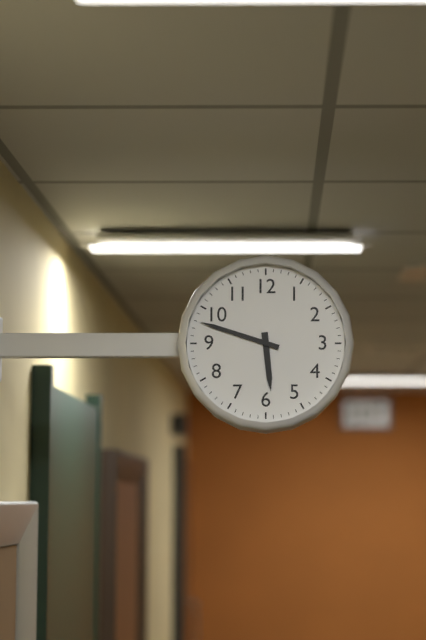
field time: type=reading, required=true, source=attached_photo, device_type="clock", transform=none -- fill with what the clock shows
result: 5:48
